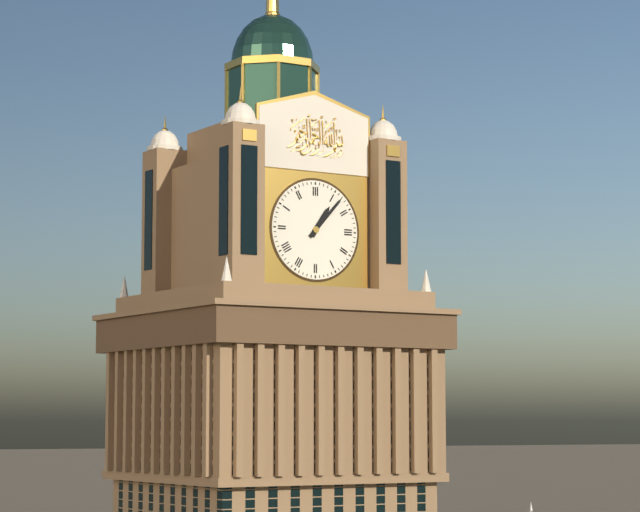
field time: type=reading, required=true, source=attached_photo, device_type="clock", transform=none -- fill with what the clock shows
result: 1:07
